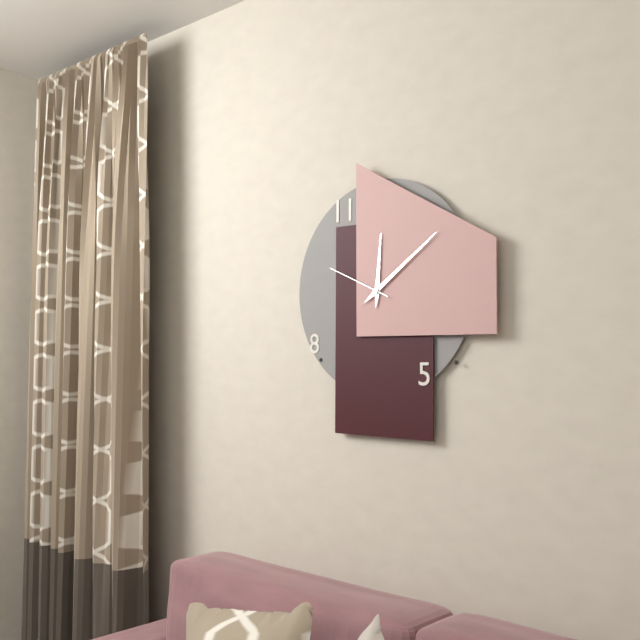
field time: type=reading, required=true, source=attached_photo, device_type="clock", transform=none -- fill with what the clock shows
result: 12:09:49
